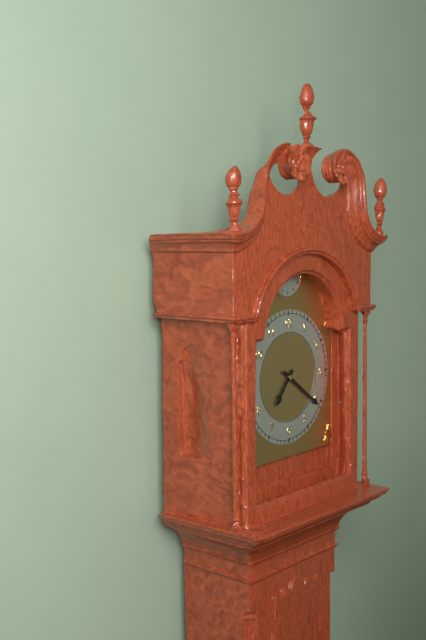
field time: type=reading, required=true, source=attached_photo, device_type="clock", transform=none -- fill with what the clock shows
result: 7:21
